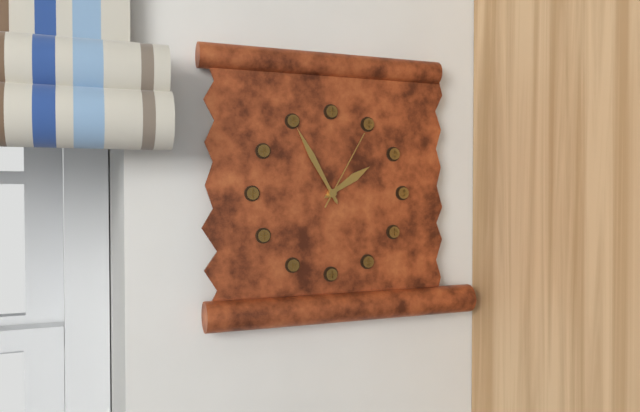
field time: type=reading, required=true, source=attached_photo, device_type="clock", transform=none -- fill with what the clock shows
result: 1:55:05
